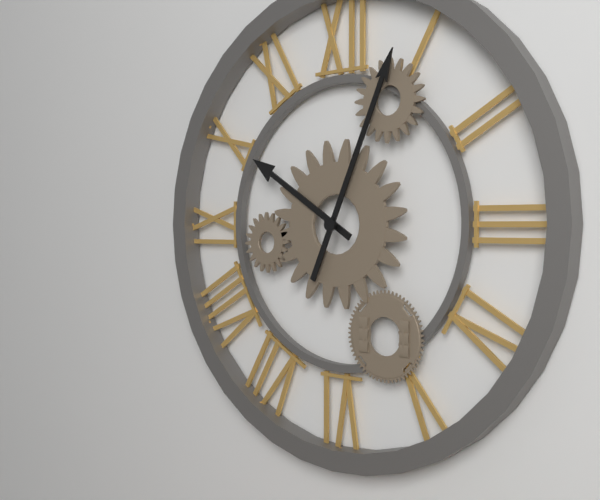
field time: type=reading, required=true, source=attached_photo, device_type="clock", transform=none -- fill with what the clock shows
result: 10:04
